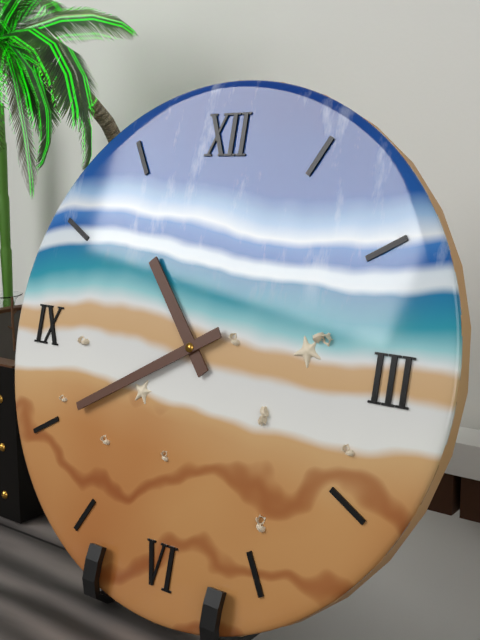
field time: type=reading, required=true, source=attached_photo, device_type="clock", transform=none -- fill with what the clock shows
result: 10:40
